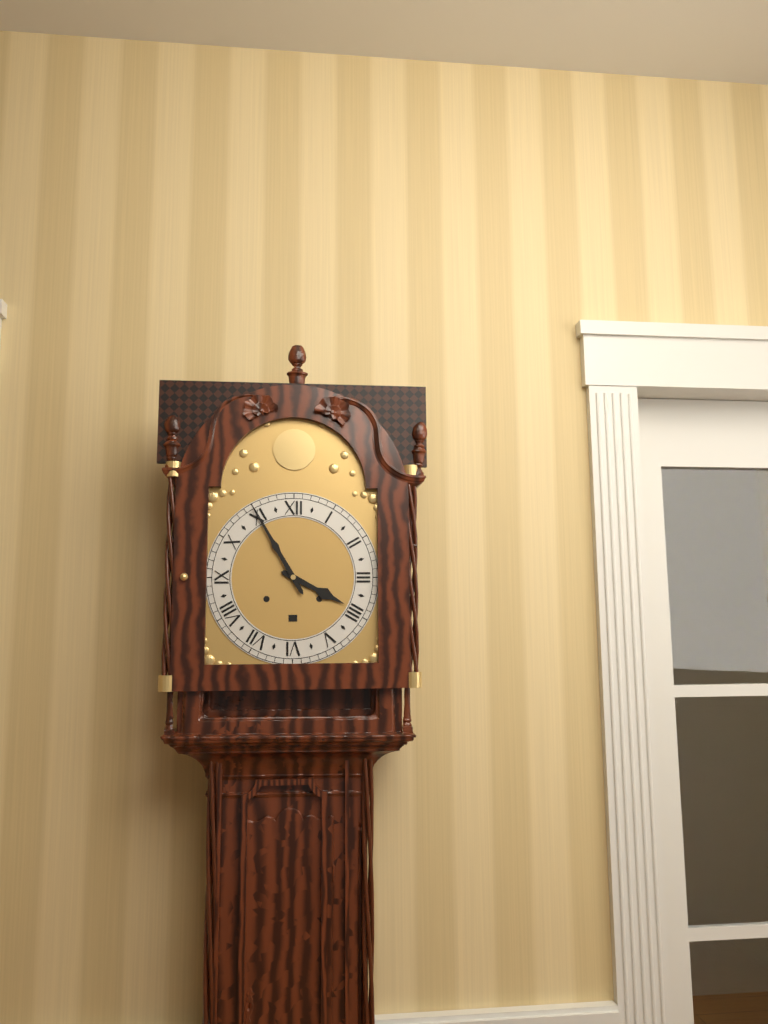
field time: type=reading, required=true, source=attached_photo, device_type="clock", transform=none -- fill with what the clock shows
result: 3:55
